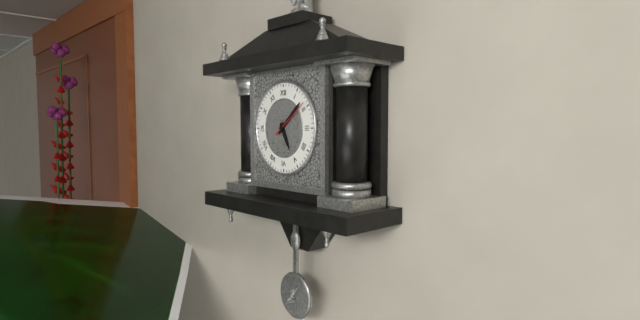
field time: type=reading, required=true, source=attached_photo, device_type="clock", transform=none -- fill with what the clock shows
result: 5:08
